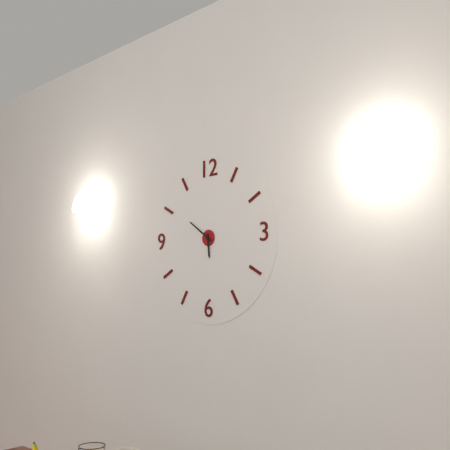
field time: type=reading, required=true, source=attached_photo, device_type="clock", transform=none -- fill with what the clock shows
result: 5:51
